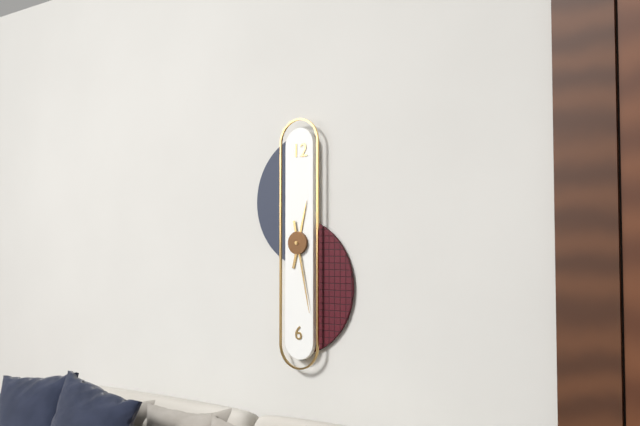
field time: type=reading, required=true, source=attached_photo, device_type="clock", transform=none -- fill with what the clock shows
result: 12:28
